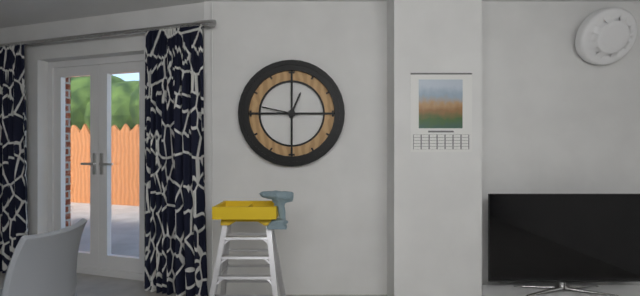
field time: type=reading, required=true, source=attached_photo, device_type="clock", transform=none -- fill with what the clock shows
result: 12:47
